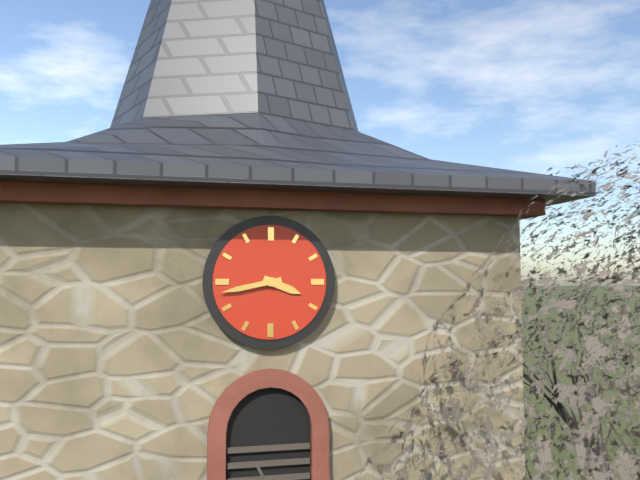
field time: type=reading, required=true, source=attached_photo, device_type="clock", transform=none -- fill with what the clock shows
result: 3:43
